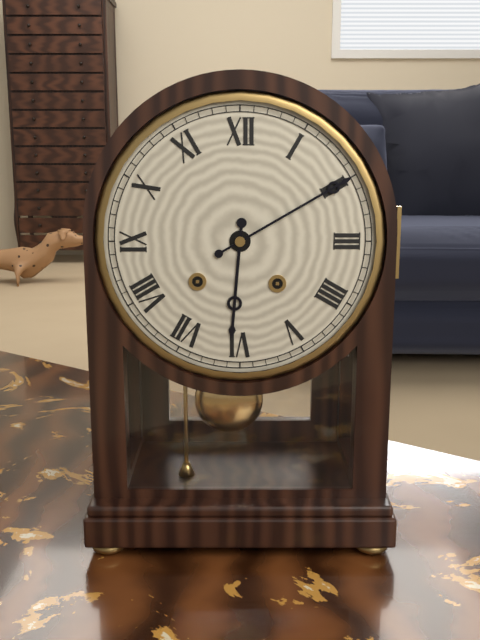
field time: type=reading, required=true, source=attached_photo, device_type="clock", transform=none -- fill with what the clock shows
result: 6:10
